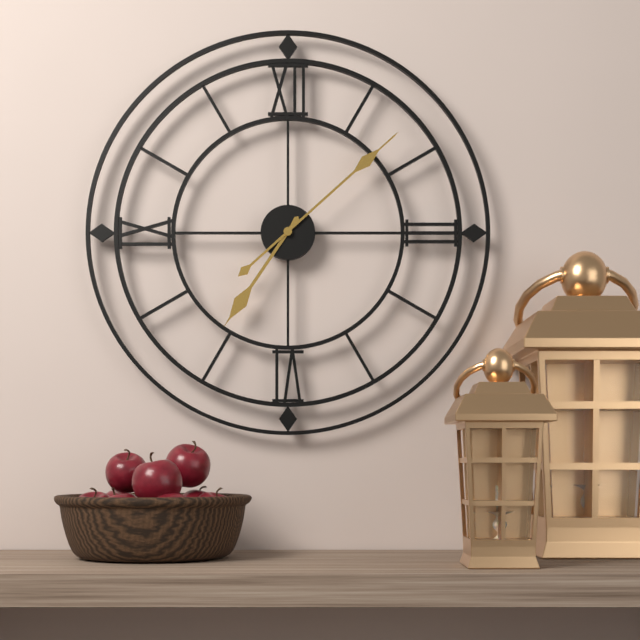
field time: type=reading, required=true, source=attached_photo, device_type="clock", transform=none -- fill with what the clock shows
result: 7:08
